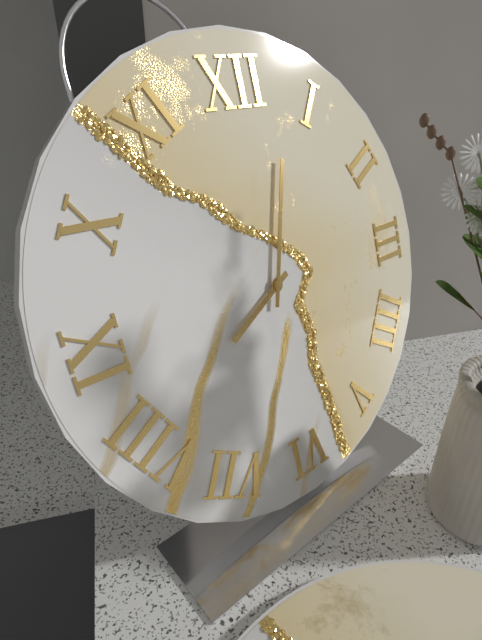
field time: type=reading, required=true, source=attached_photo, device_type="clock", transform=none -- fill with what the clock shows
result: 8:03
